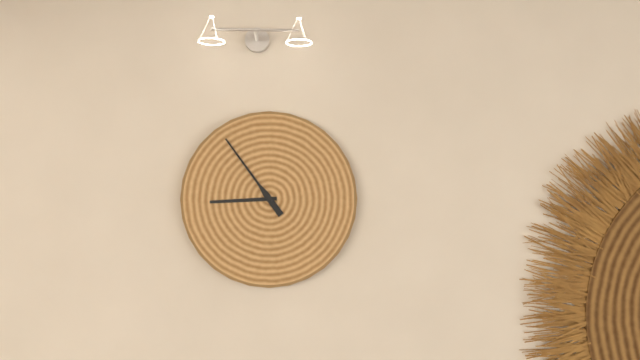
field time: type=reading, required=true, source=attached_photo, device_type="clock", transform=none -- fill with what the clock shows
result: 8:54
